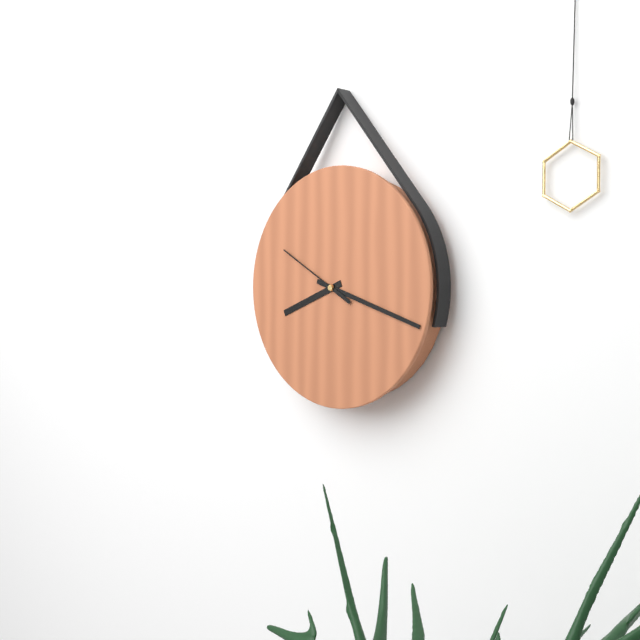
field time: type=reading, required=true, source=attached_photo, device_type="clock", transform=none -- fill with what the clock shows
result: 8:18:50
